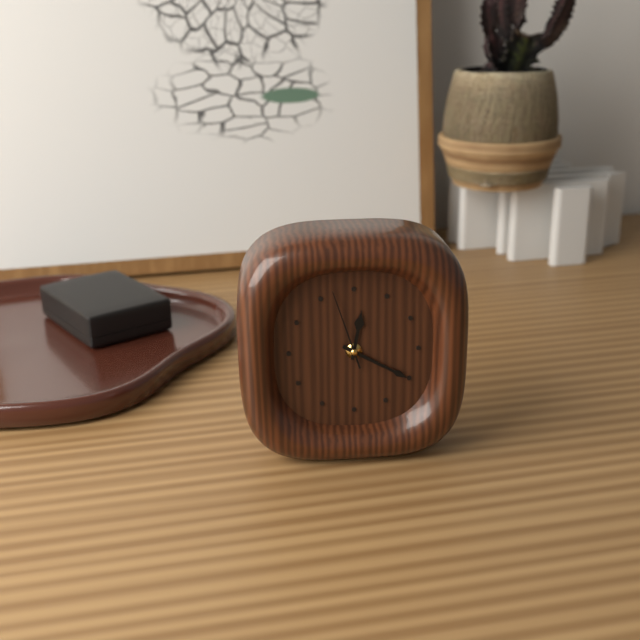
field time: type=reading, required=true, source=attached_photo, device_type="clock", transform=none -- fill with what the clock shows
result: 12:20:57
